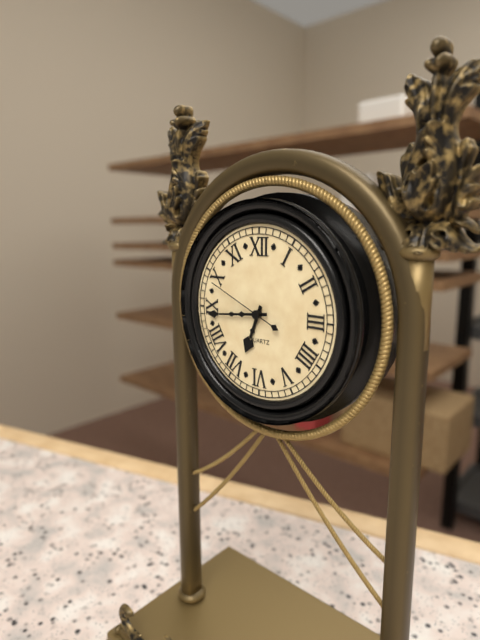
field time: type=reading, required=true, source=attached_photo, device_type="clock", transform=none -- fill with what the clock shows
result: 6:44:49
